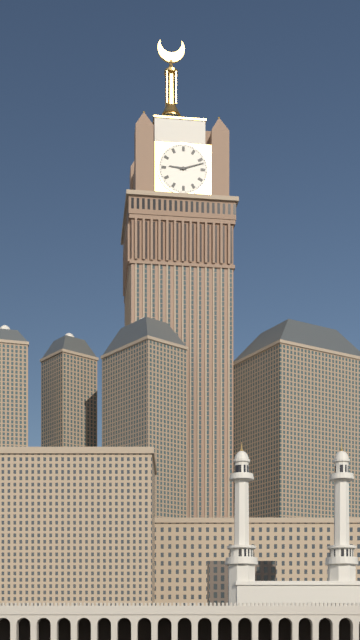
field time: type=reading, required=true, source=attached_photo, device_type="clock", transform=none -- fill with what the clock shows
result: 9:12
